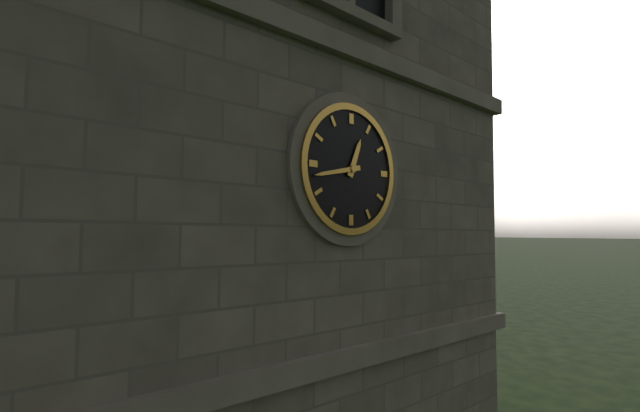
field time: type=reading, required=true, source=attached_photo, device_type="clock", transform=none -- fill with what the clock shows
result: 12:43
